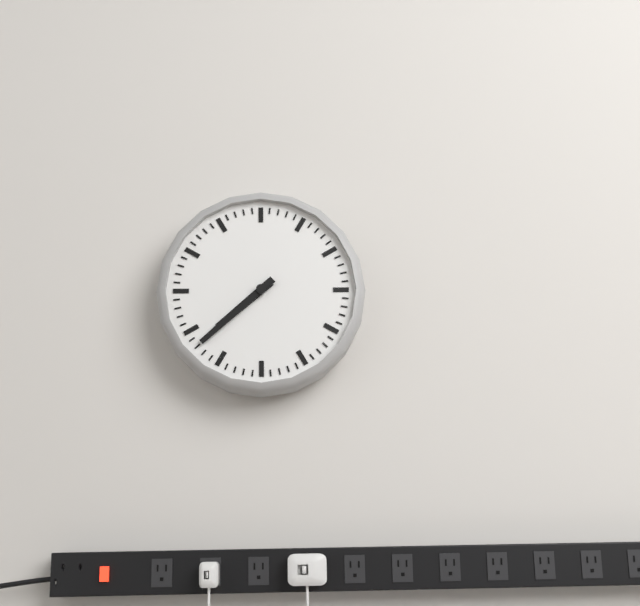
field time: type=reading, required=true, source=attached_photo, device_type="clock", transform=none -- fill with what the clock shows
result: 7:38
